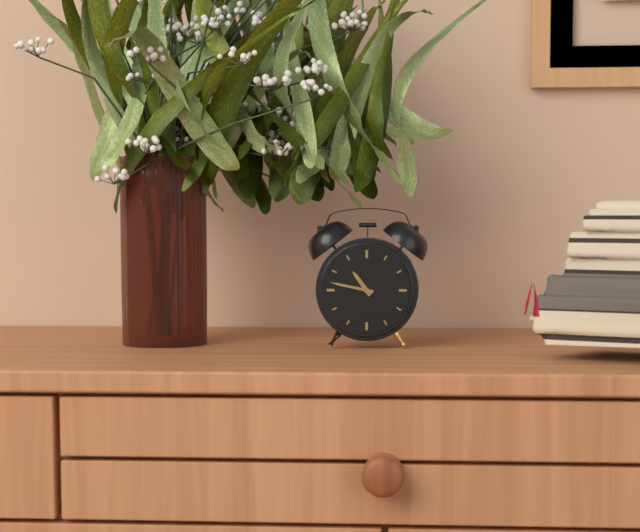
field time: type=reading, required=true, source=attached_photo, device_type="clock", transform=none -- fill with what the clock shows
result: 10:47
